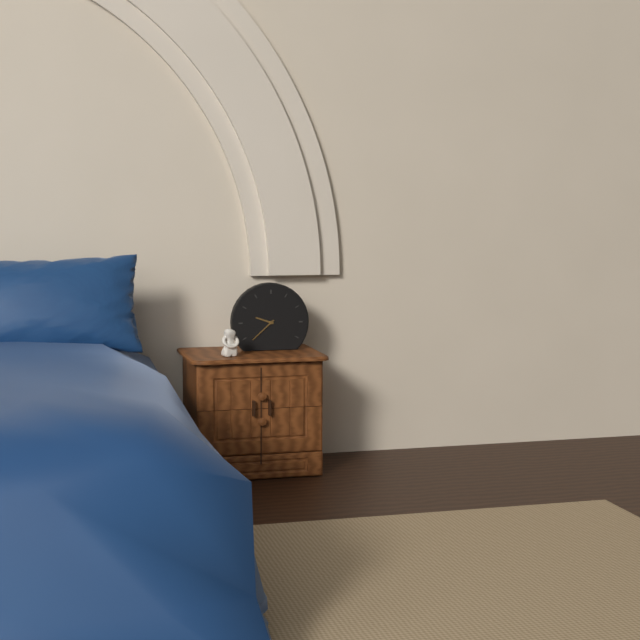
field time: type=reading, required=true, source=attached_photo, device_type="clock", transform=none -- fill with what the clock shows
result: 9:38
